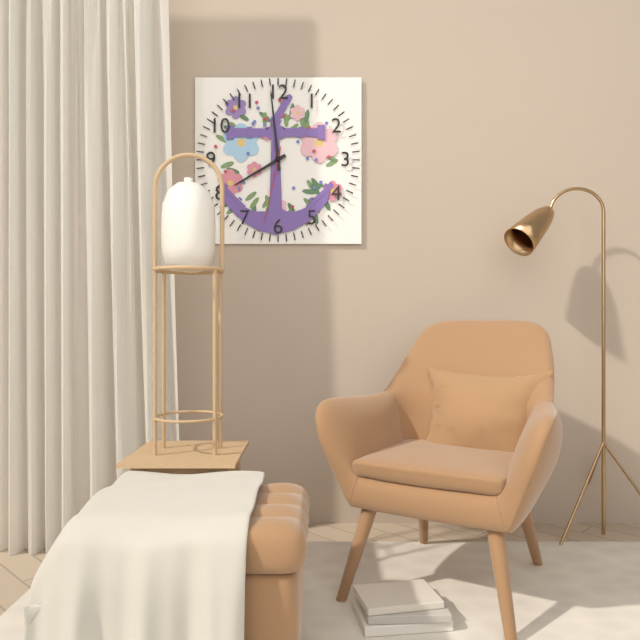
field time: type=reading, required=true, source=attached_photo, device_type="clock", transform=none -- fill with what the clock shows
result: 7:59:32
